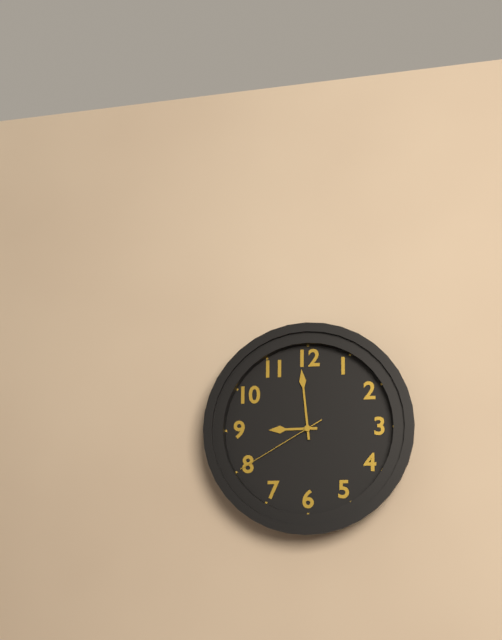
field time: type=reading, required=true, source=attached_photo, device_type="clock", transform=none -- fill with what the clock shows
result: 8:59:40
